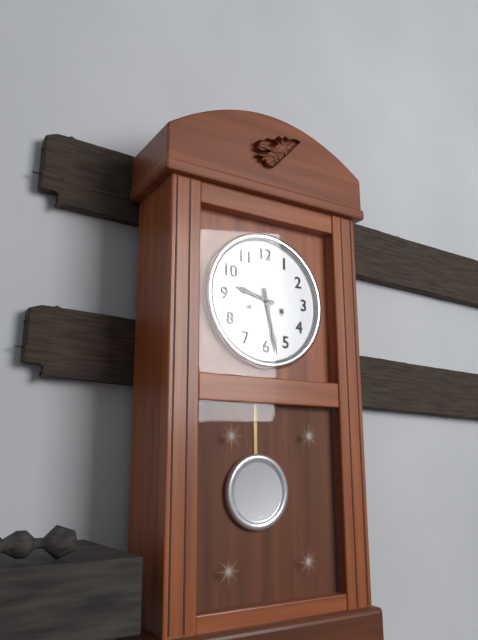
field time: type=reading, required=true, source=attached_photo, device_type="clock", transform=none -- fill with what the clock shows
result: 9:28
